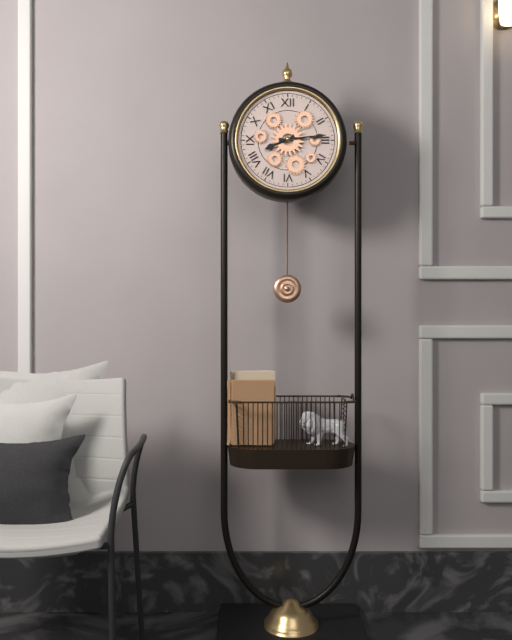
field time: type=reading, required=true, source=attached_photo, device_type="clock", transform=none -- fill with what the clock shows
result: 8:14
